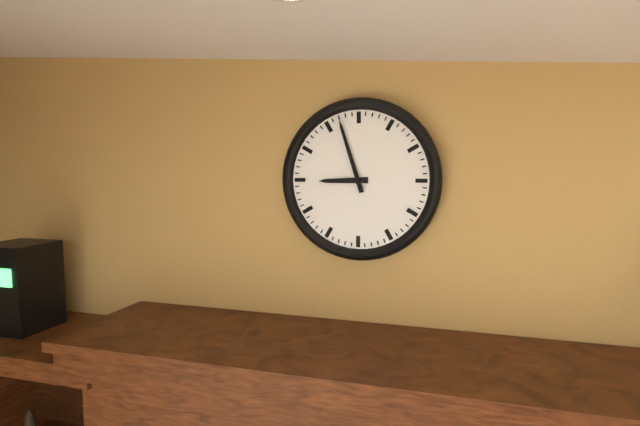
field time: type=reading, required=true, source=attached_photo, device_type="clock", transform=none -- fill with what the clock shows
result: 8:57
